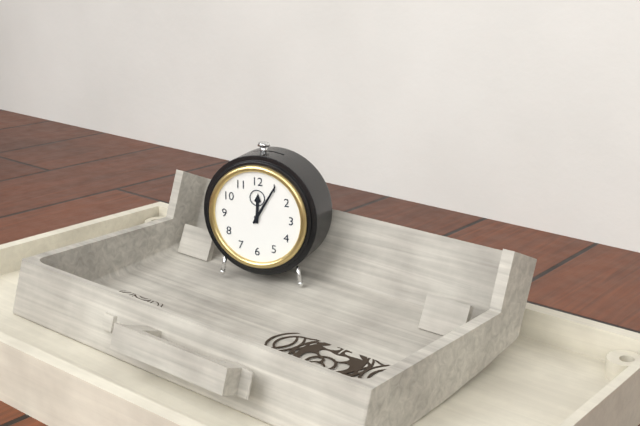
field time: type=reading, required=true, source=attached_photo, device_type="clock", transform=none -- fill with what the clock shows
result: 12:05
